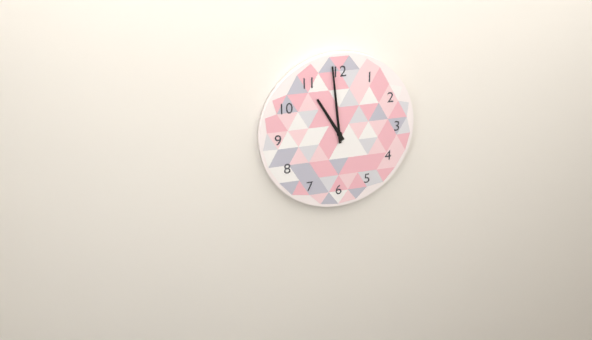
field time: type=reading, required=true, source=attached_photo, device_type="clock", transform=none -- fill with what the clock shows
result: 10:59
